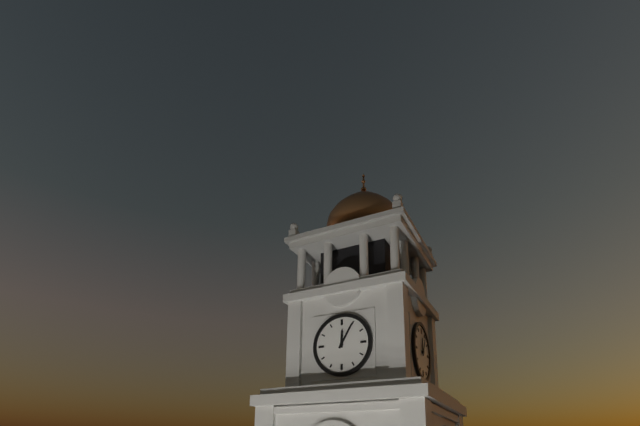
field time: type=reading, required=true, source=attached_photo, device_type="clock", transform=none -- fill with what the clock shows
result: 12:05
